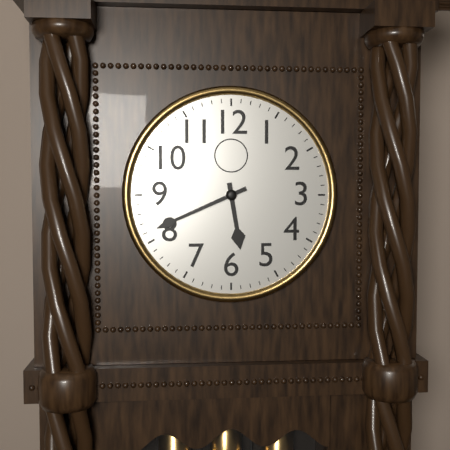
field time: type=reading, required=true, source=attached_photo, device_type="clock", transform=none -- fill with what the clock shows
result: 5:41
